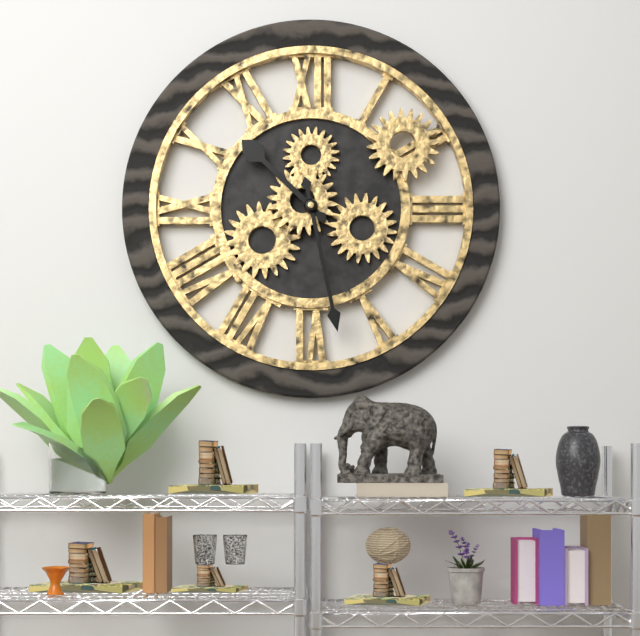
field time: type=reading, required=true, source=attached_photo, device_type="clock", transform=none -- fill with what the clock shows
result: 10:28
